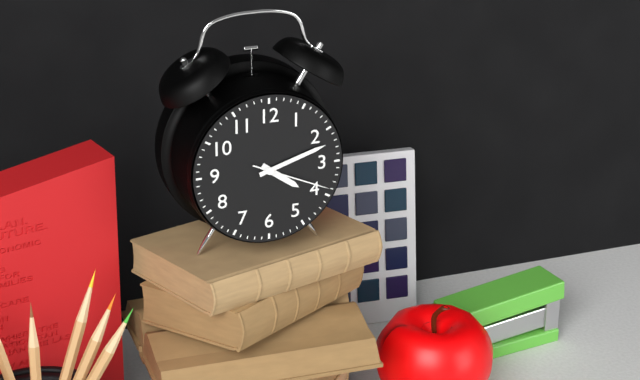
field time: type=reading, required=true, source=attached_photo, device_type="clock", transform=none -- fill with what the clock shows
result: 4:12:19
